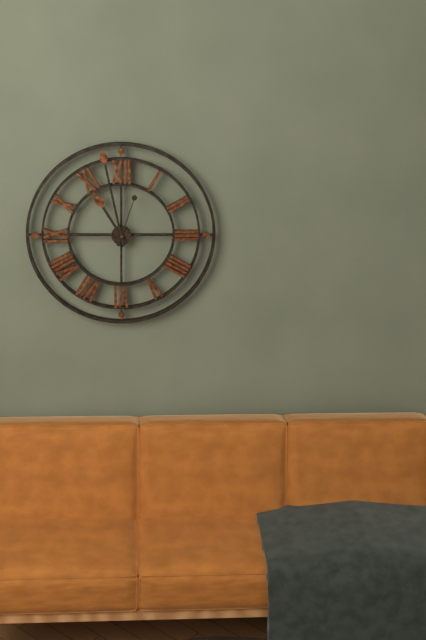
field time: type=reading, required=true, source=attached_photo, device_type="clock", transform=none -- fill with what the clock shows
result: 10:58:03
